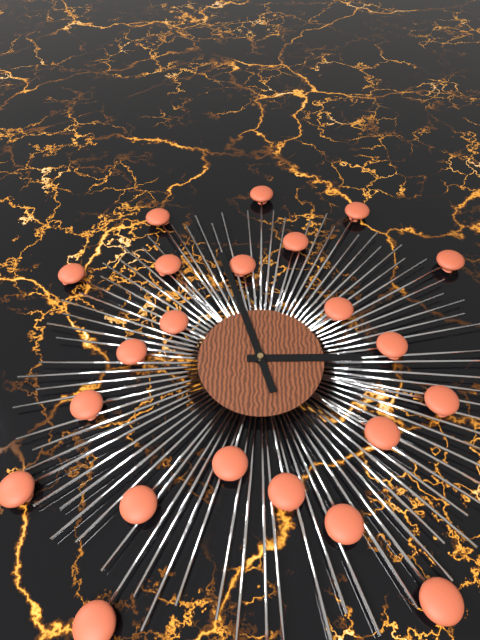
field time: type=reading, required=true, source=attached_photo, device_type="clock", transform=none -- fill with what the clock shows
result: 2:57
